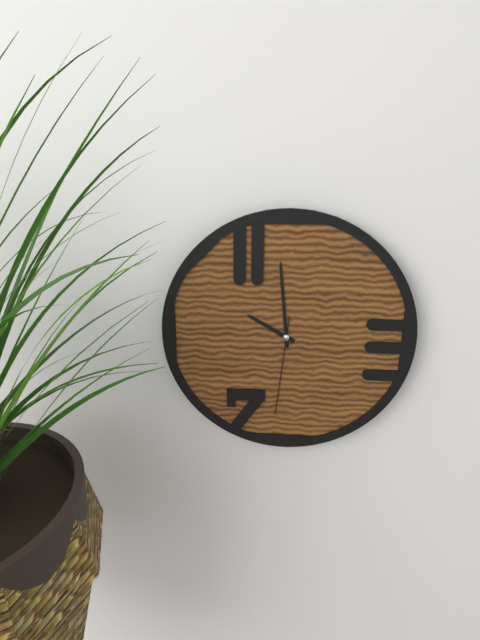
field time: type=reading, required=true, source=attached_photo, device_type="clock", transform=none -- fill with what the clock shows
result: 9:59:31
